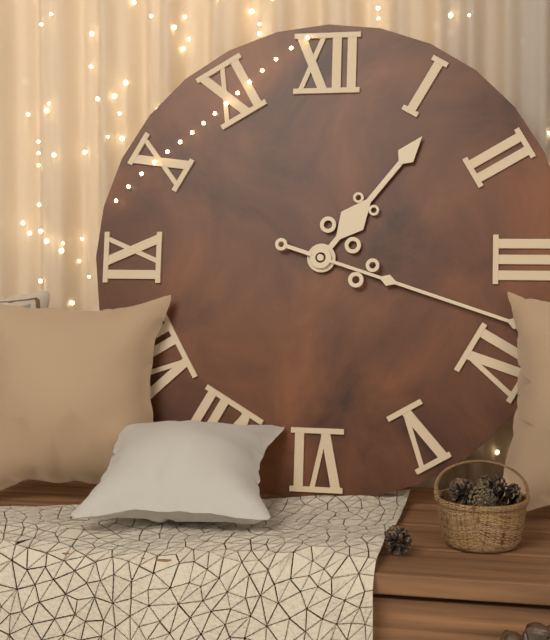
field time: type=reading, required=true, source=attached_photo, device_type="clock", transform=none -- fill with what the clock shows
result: 1:18
